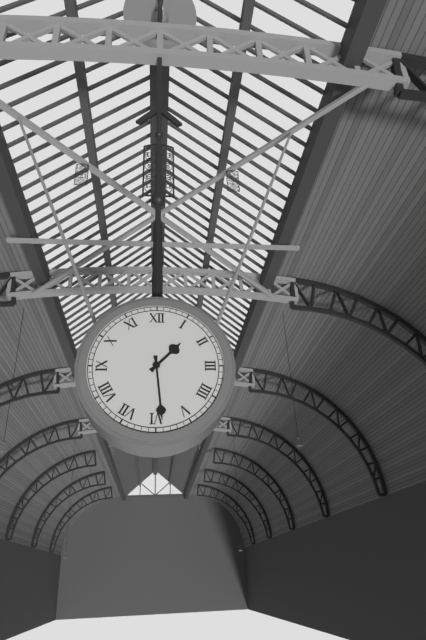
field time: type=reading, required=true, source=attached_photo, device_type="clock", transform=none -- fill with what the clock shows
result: 1:29
